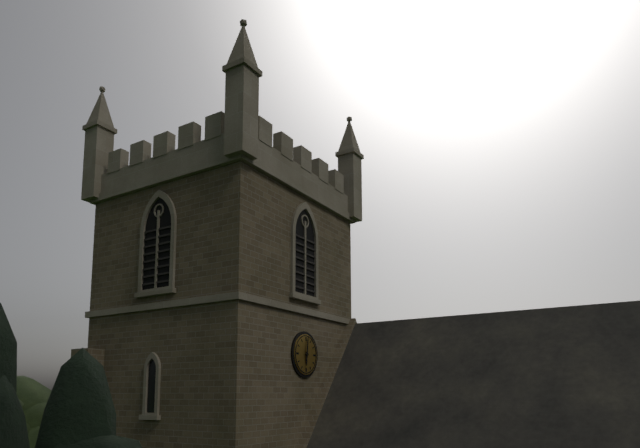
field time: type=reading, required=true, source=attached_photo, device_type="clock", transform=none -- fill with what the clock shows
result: 6:01
